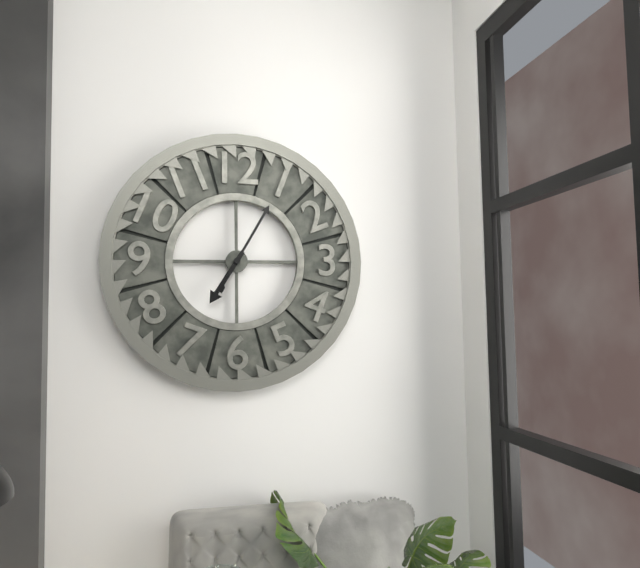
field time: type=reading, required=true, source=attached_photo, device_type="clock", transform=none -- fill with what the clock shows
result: 7:05
